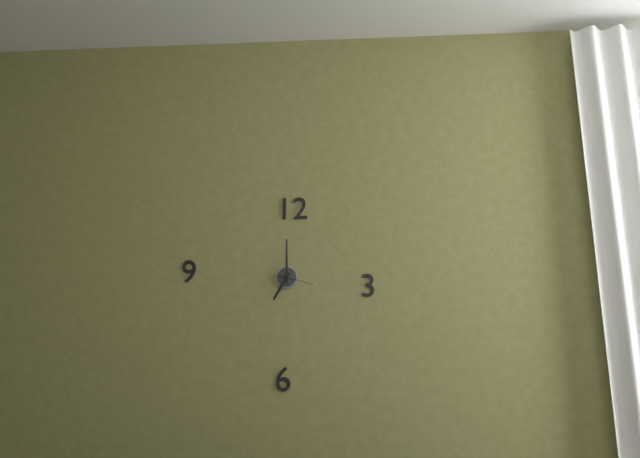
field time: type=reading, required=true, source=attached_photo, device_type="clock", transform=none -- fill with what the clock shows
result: 7:00
